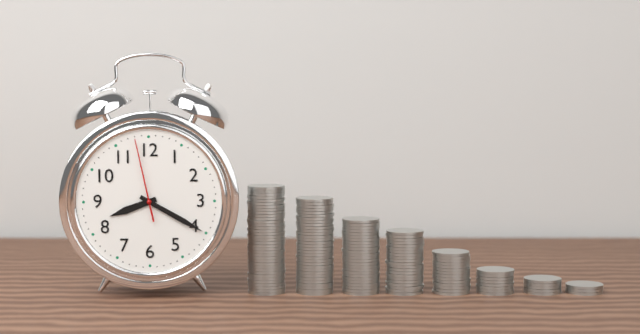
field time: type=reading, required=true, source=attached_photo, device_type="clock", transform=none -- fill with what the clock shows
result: 8:20:58
